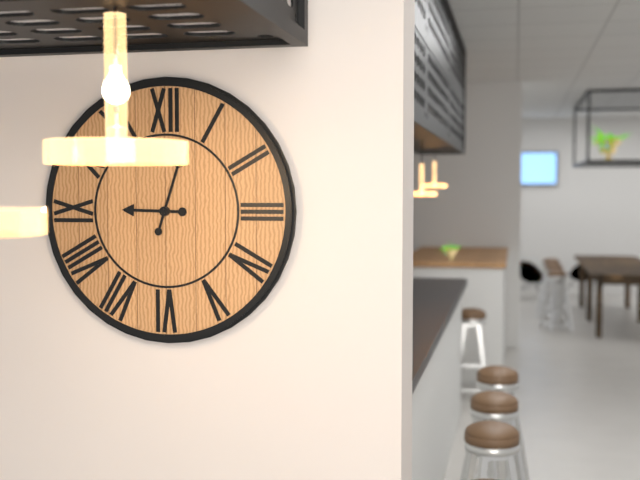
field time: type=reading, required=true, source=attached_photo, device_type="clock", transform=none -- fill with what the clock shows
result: 9:03
